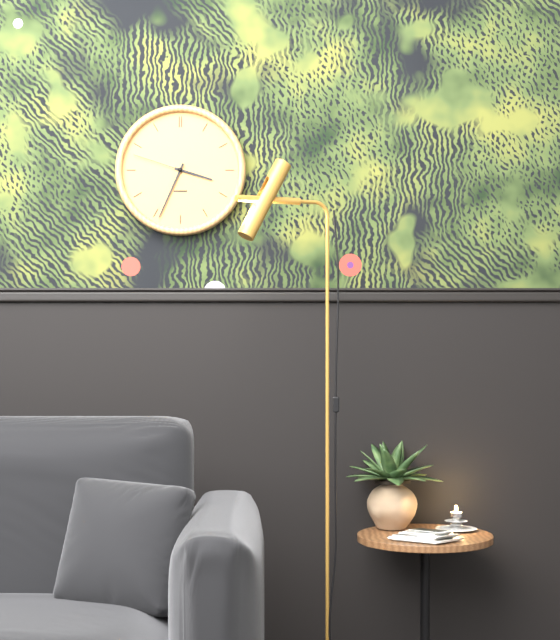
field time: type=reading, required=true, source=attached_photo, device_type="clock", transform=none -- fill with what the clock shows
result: 3:34:48
